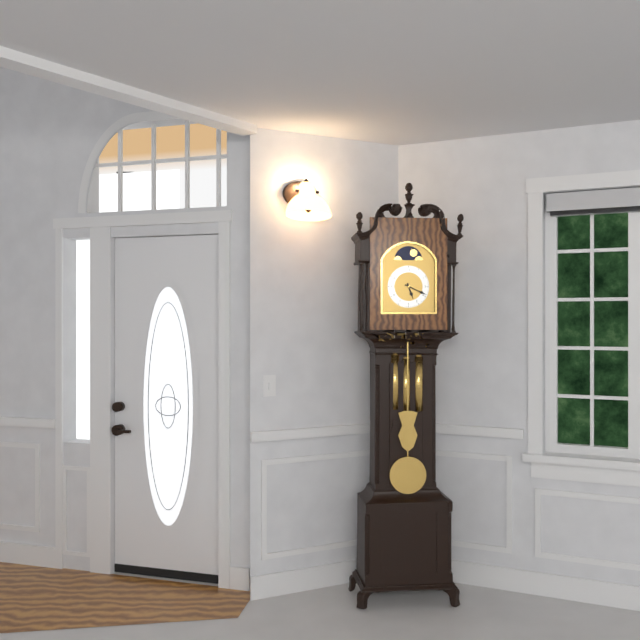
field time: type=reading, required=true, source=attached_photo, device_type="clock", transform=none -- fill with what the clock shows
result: 5:19
